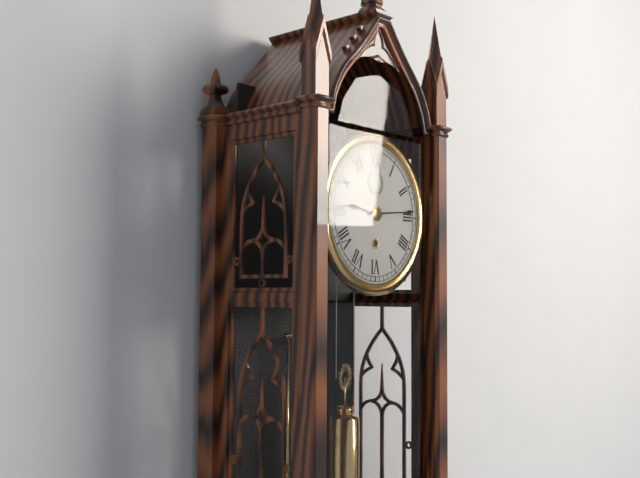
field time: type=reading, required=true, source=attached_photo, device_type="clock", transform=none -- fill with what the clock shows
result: 9:14
